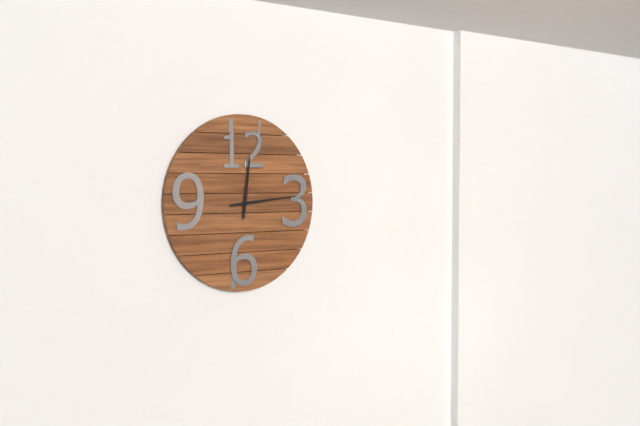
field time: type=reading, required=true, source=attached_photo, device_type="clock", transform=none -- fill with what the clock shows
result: 12:14
